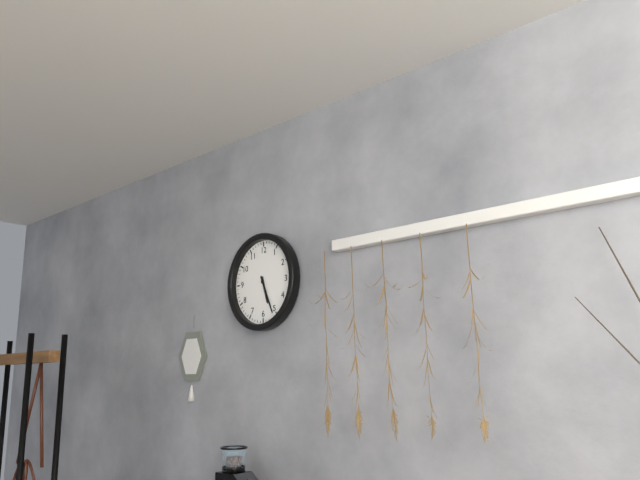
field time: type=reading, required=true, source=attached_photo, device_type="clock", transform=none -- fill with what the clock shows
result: 5:26
